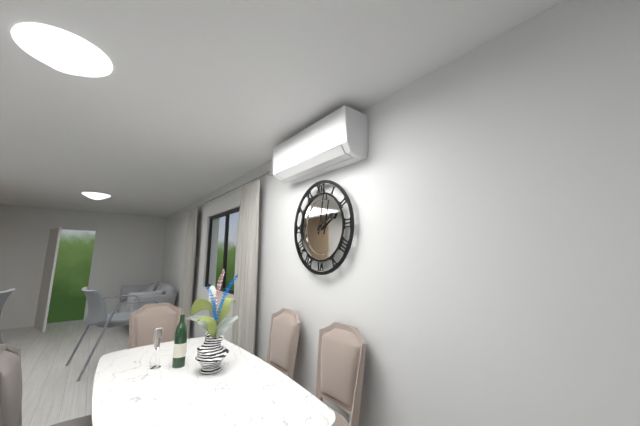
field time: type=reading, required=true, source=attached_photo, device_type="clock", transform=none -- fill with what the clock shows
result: 2:02
